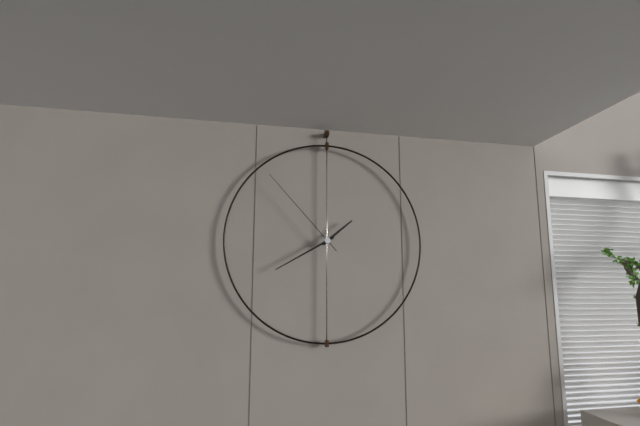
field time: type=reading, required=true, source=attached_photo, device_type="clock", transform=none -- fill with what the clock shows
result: 1:40:53
